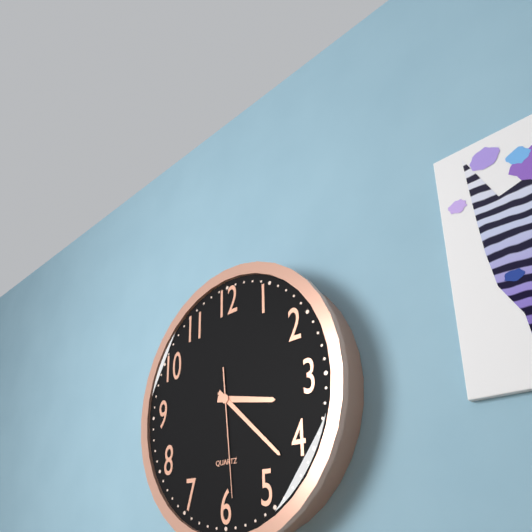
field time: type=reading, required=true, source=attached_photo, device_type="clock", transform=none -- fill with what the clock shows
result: 3:22:29
